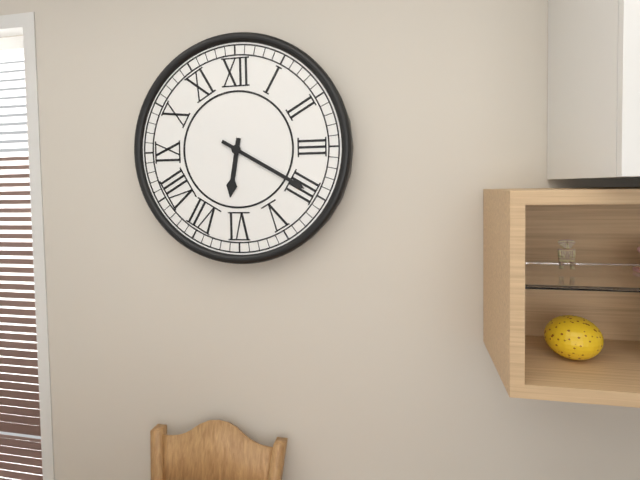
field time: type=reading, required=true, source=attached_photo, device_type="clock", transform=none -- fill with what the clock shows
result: 6:20
